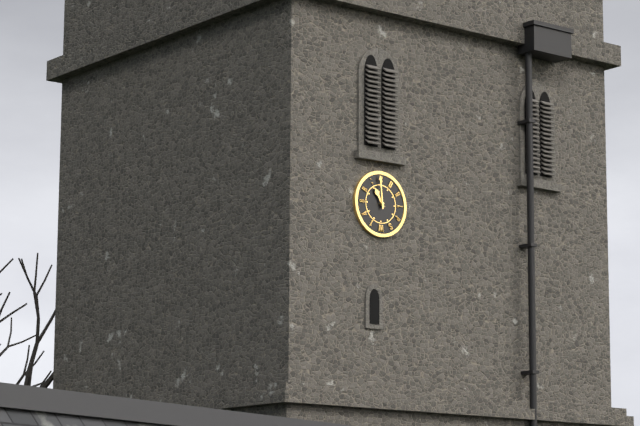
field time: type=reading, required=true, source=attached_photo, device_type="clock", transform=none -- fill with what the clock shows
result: 10:59
